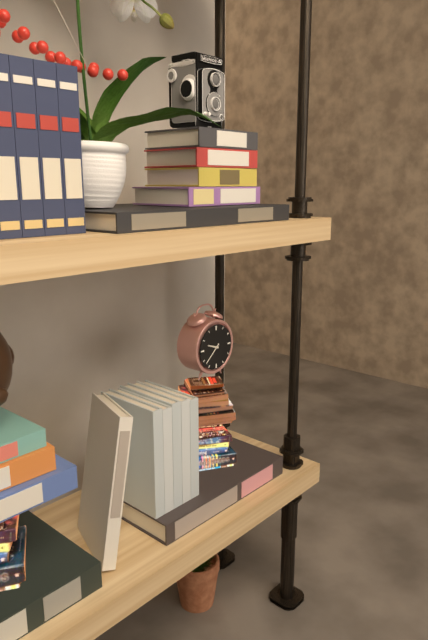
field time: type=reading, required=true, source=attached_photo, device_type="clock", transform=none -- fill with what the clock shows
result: 9:38
